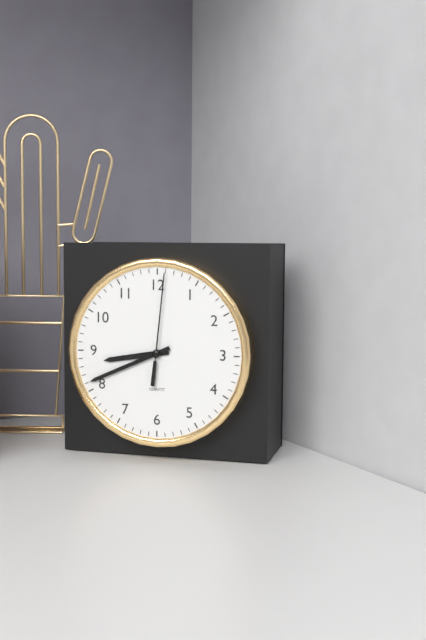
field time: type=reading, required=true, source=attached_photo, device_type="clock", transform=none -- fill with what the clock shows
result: 8:41:01
